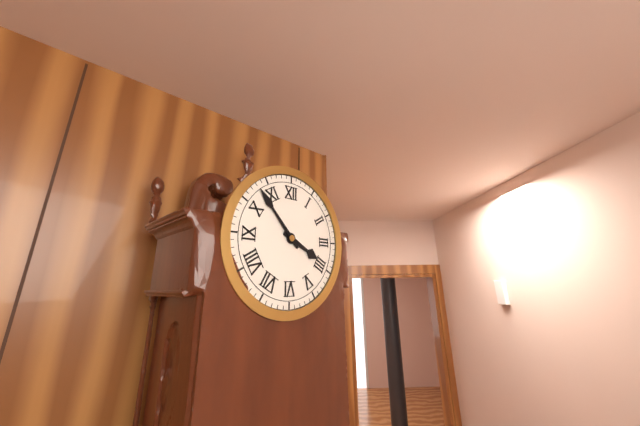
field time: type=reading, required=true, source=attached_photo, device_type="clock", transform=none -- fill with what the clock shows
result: 3:53
